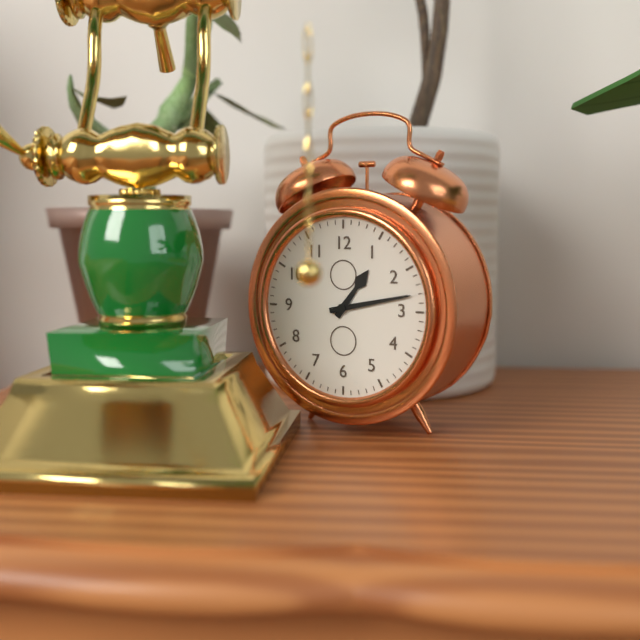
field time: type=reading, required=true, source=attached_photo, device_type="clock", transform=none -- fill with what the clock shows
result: 1:13
